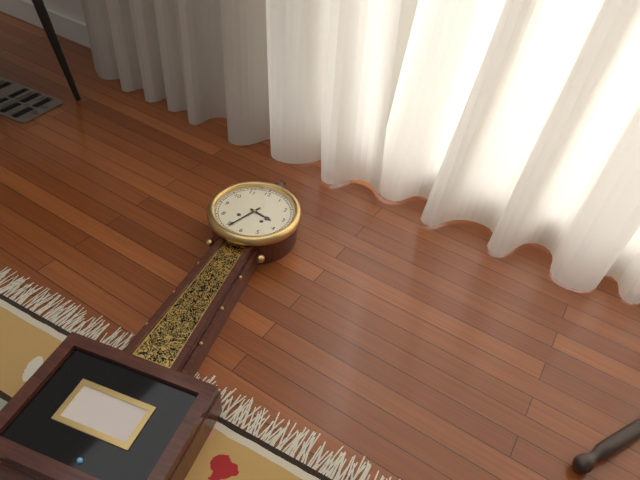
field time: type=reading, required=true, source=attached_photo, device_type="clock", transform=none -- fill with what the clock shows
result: 3:34
